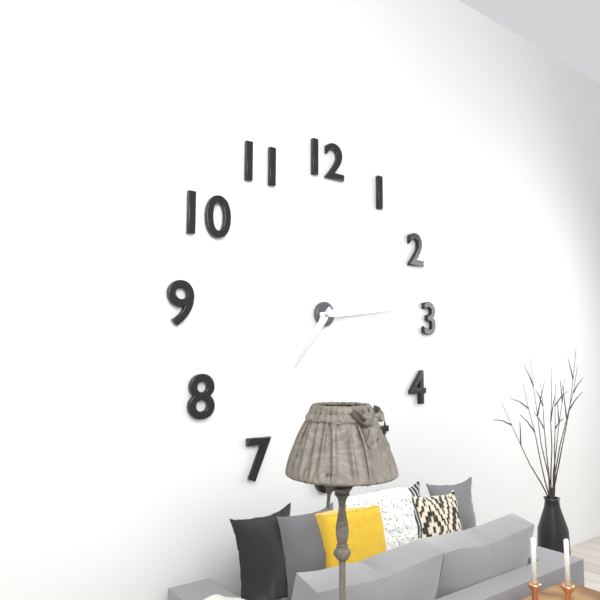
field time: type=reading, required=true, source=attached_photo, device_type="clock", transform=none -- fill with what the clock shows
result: 7:14
